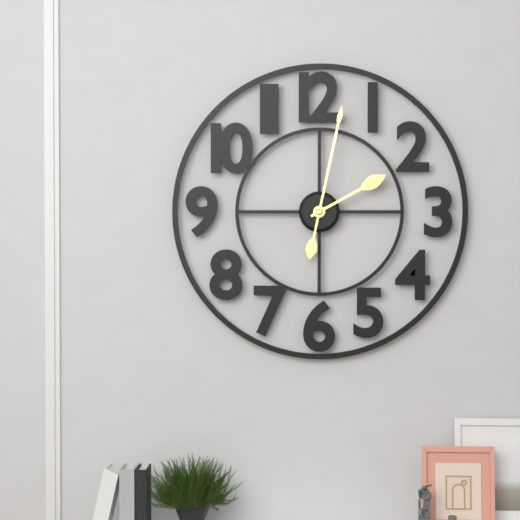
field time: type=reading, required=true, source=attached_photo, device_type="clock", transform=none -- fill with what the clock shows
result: 2:02
